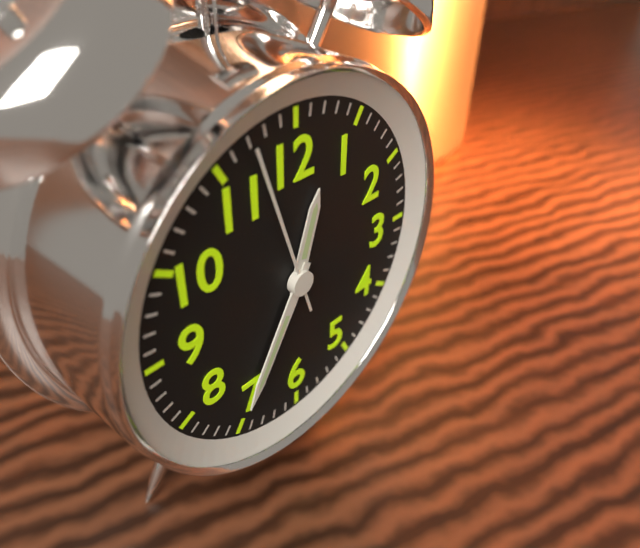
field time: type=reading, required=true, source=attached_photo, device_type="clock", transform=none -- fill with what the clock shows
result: 12:35:57
